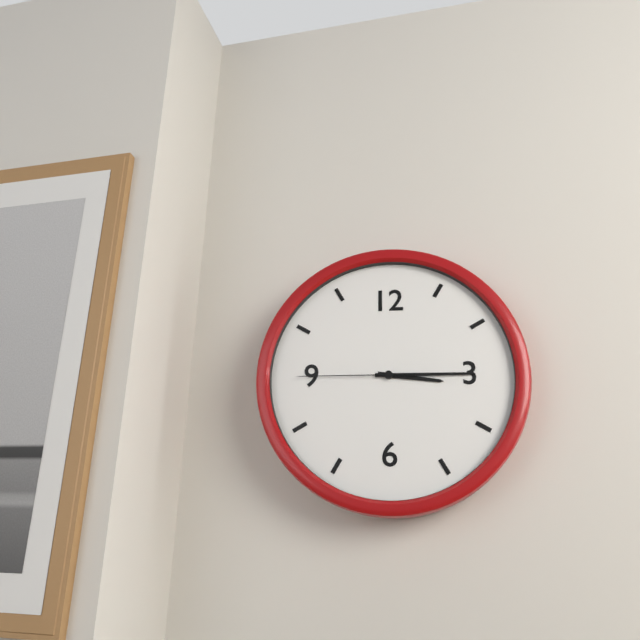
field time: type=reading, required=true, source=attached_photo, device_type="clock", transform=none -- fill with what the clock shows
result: 3:15:45
